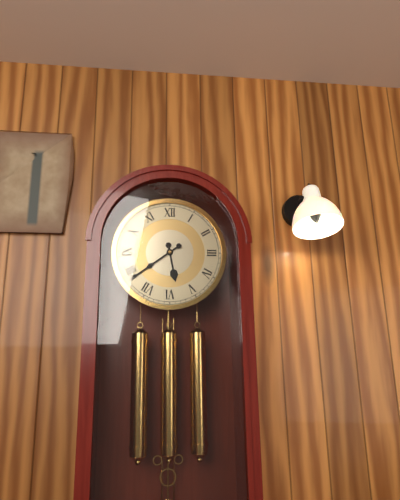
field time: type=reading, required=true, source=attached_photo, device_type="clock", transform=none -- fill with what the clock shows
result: 5:39
